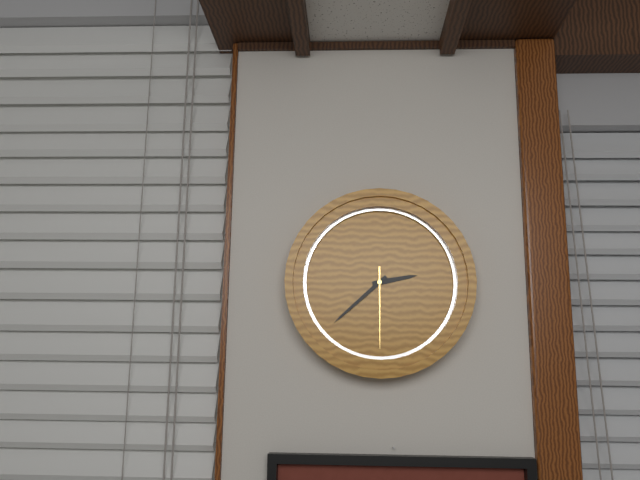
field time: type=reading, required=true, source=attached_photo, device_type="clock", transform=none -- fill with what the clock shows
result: 2:38:30
